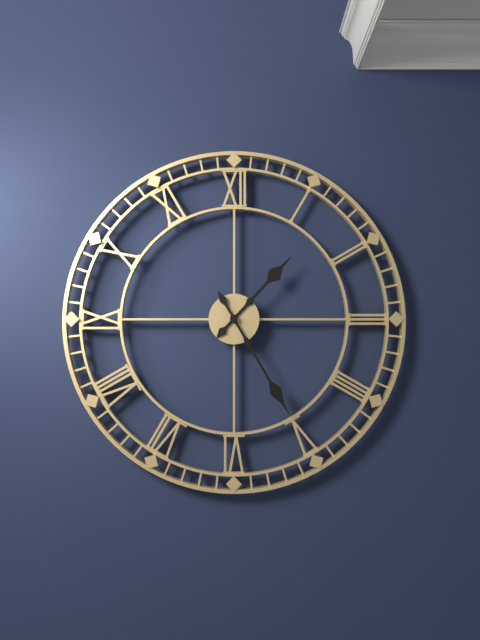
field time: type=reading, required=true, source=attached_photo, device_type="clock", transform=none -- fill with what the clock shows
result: 1:25
